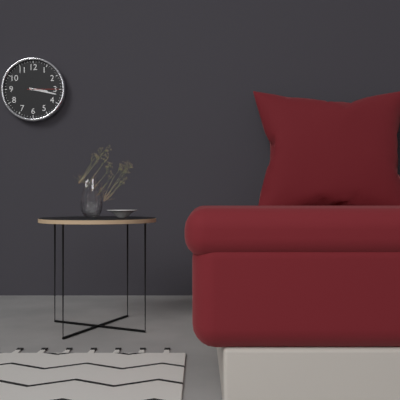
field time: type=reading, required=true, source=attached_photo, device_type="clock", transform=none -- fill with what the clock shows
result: 3:17
